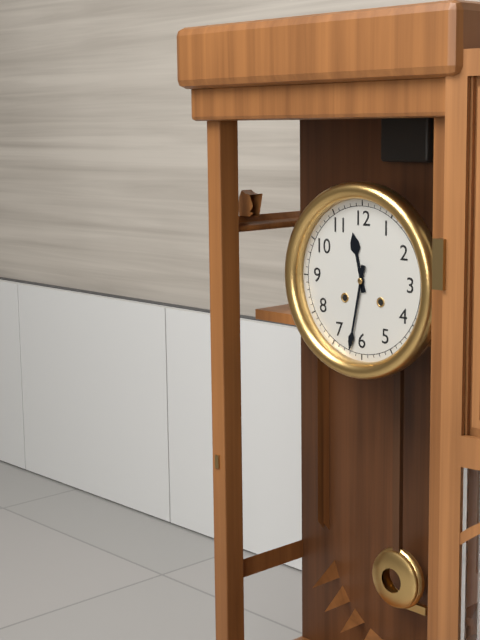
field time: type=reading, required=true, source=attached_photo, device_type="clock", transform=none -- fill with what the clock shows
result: 11:32
